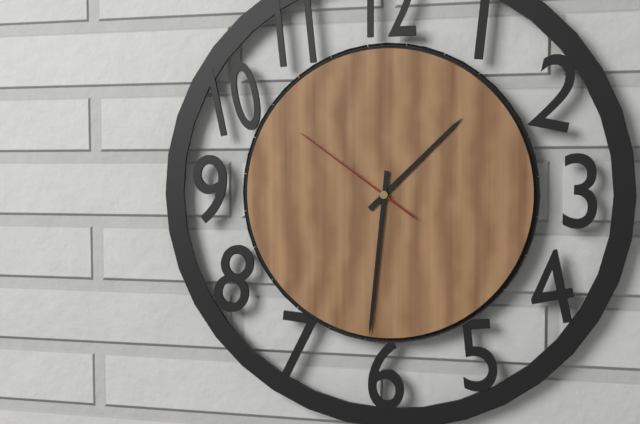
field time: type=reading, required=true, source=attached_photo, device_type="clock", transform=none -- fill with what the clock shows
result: 1:31:51
